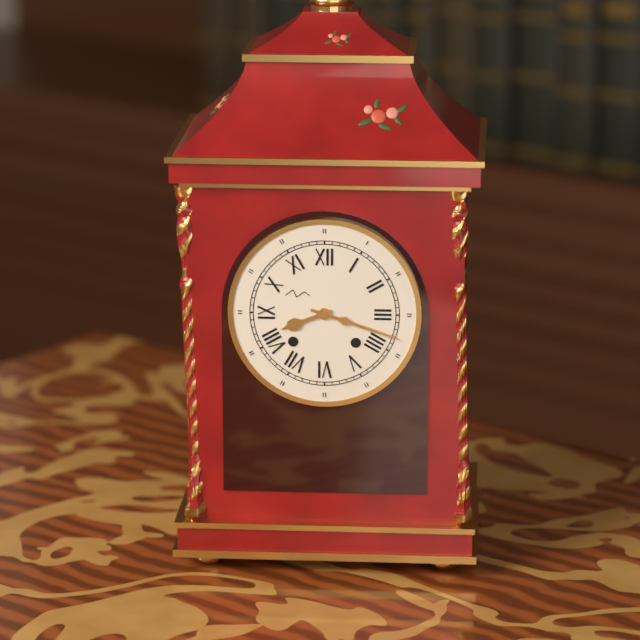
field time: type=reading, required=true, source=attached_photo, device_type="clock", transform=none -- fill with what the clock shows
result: 8:18
